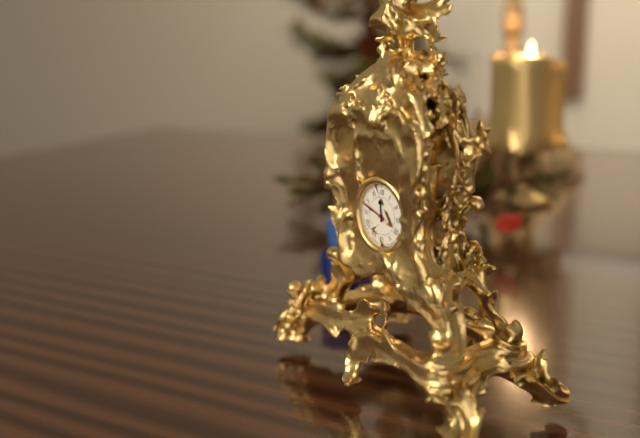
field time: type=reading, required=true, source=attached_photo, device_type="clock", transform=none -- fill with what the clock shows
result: 11:48
